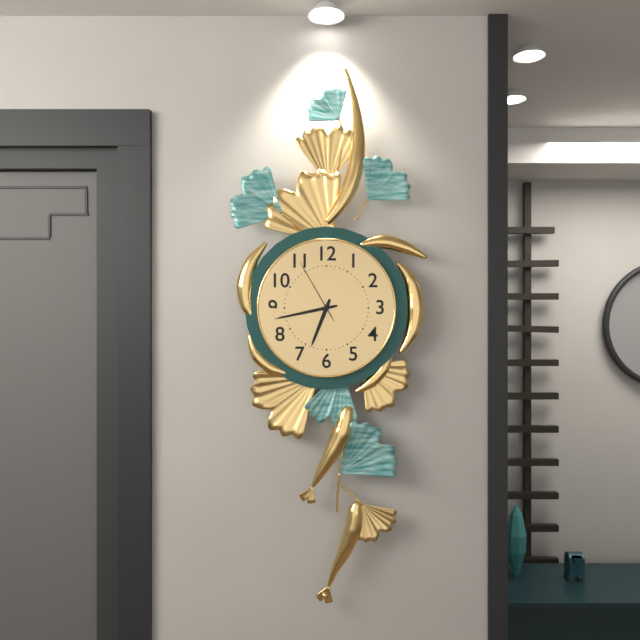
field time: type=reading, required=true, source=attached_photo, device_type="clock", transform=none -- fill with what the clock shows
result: 6:43:55
